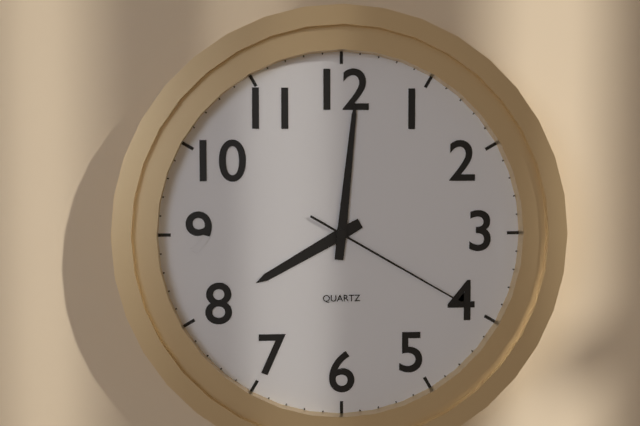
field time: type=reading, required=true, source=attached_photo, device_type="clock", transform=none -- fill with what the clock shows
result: 8:01:20
